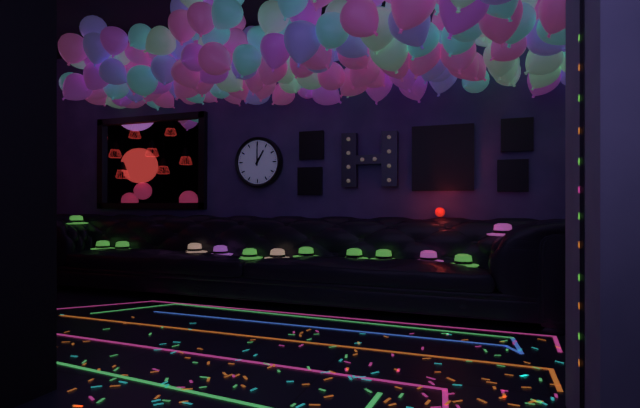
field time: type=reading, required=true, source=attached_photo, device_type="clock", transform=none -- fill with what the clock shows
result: 1:00
